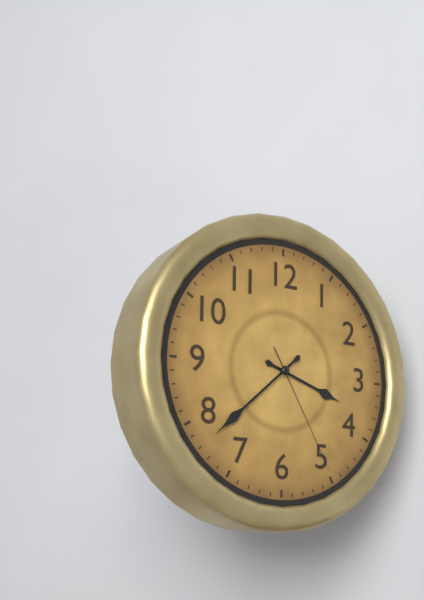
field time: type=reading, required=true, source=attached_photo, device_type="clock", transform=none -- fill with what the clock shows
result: 3:38:25
